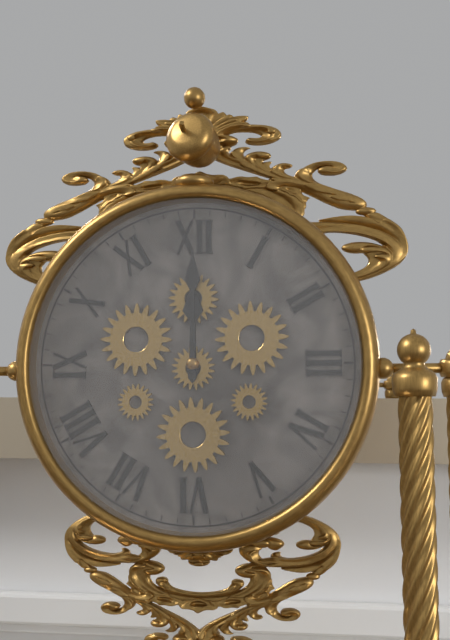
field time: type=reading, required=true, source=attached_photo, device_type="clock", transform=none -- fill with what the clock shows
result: 12:00
